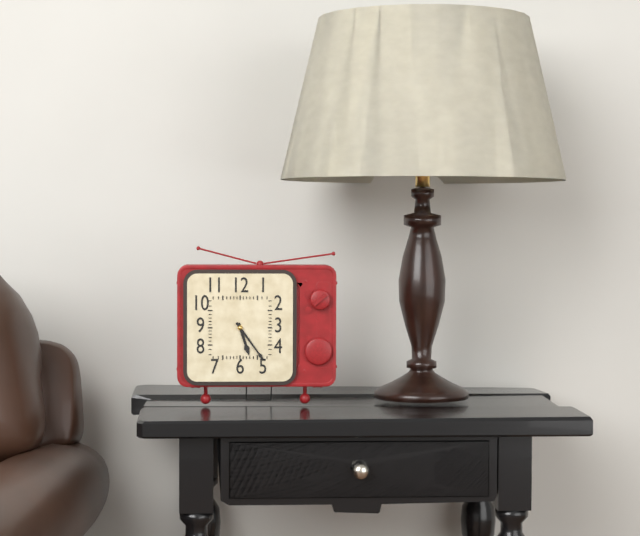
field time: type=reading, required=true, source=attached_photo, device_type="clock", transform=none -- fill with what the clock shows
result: 5:24
